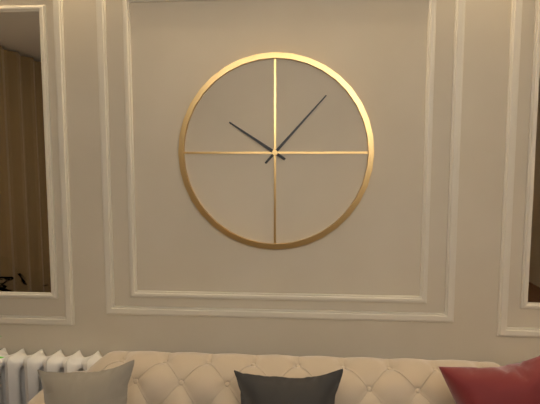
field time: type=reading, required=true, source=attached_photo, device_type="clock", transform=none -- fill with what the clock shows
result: 10:07
